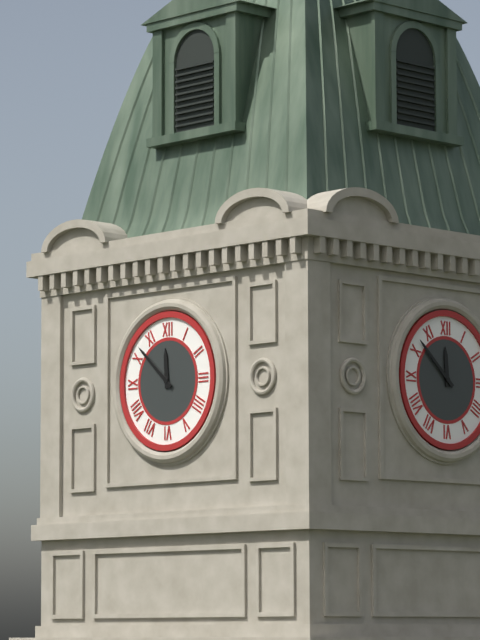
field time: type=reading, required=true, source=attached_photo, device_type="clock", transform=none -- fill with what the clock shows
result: 11:52
